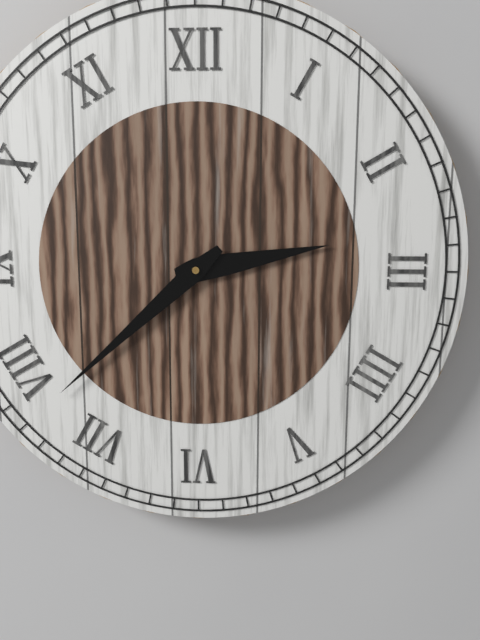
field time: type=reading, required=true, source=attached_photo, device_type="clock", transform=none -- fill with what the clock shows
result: 2:38
